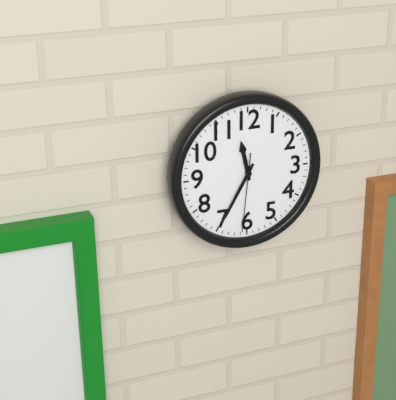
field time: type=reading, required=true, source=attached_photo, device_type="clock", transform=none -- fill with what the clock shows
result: 11:35:31
